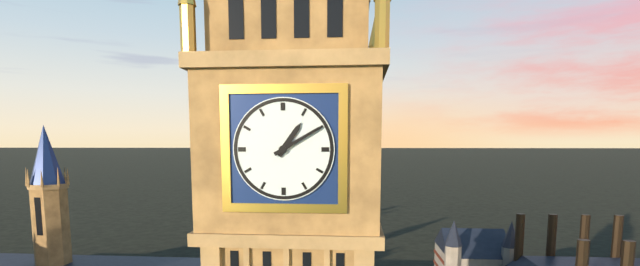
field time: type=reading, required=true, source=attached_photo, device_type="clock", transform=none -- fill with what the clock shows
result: 1:10
